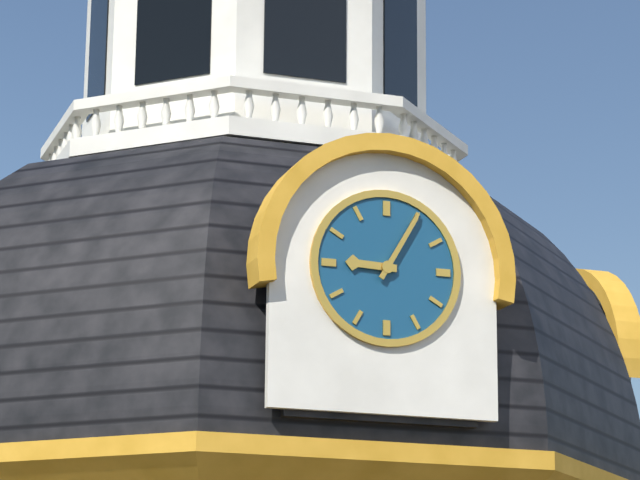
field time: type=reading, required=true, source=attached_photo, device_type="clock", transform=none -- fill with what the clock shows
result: 9:05
